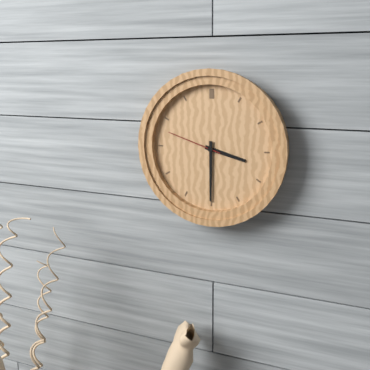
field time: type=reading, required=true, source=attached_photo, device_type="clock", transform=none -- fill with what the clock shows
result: 3:30:48
